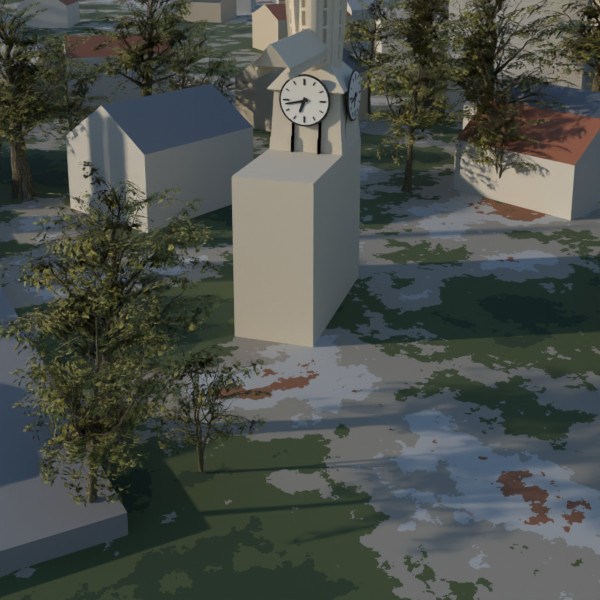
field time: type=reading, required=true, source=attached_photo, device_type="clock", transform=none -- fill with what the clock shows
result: 6:43
